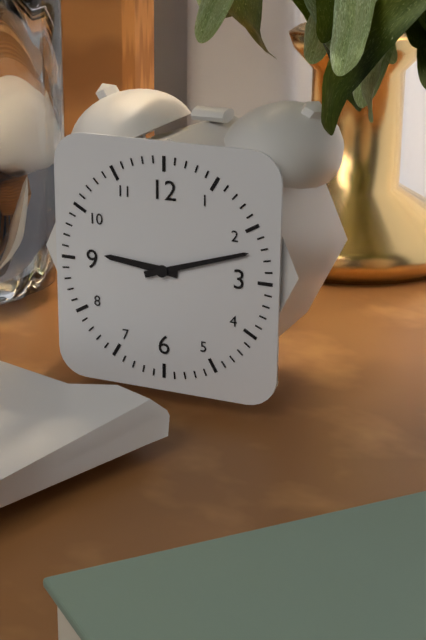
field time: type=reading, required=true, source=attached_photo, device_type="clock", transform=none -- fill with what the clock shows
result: 9:12
